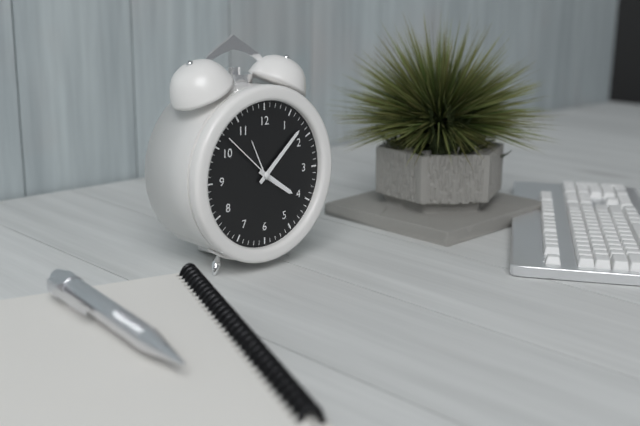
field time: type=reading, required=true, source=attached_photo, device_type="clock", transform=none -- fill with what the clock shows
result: 4:08:52
